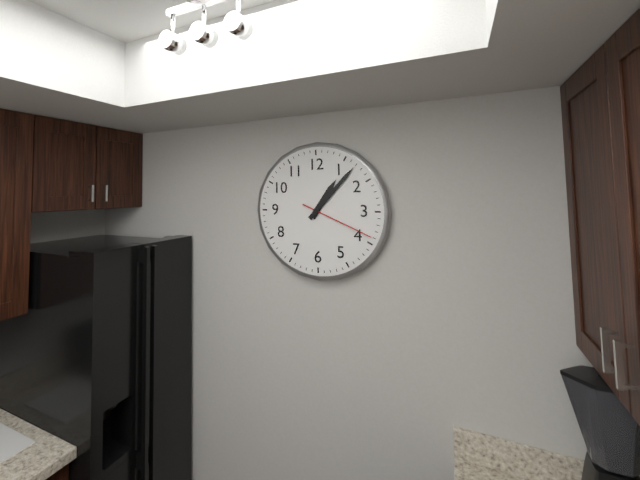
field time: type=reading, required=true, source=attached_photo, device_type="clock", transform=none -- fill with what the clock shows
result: 1:07:19
